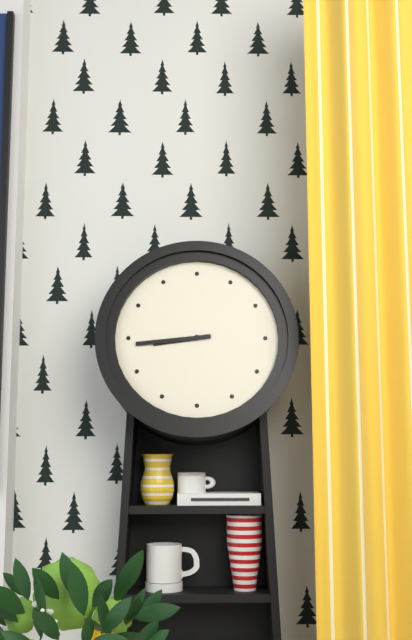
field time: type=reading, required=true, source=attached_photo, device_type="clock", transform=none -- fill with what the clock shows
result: 8:44
